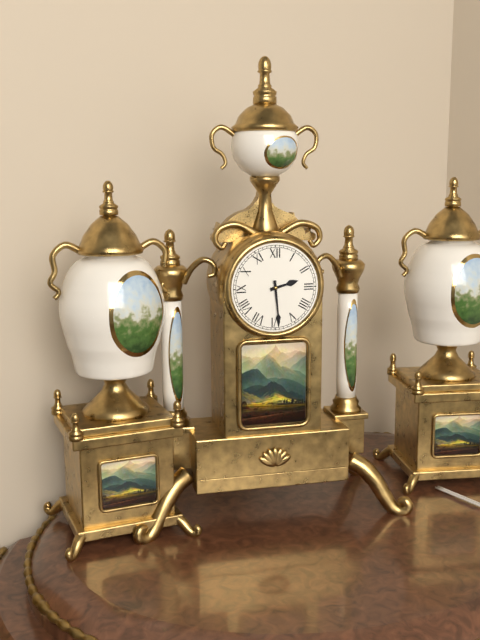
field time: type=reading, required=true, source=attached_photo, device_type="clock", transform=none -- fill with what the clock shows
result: 2:29
